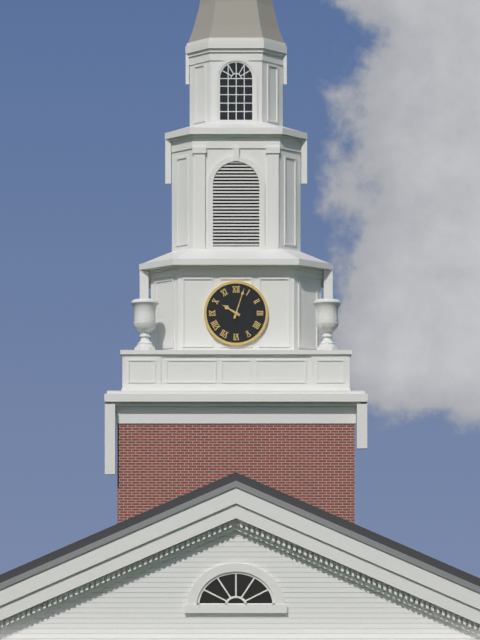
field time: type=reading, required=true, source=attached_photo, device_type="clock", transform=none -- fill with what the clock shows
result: 10:03
